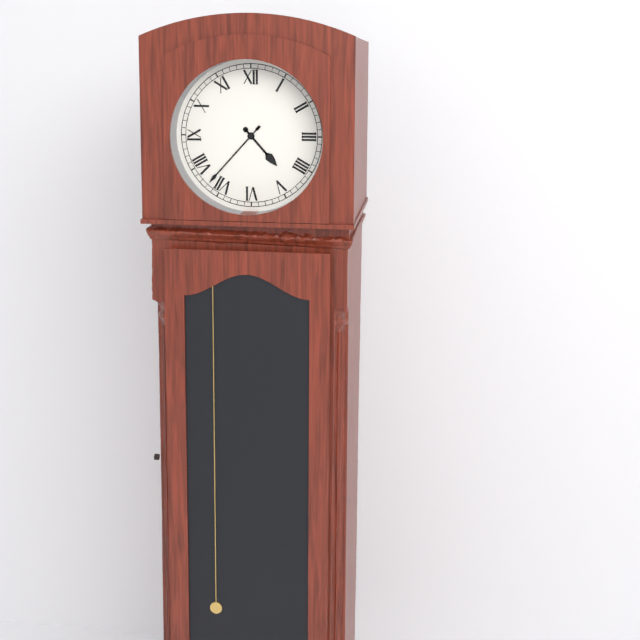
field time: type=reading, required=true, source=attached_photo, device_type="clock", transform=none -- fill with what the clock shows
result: 4:37
